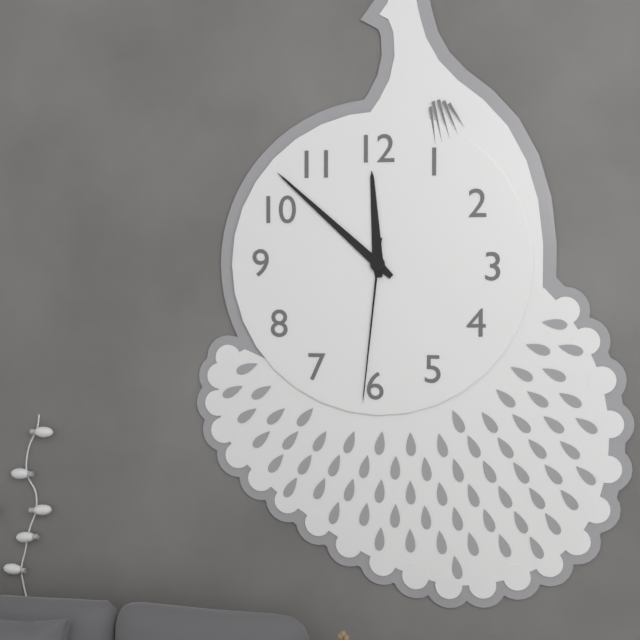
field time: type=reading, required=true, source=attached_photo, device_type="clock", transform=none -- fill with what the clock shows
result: 11:52:31
